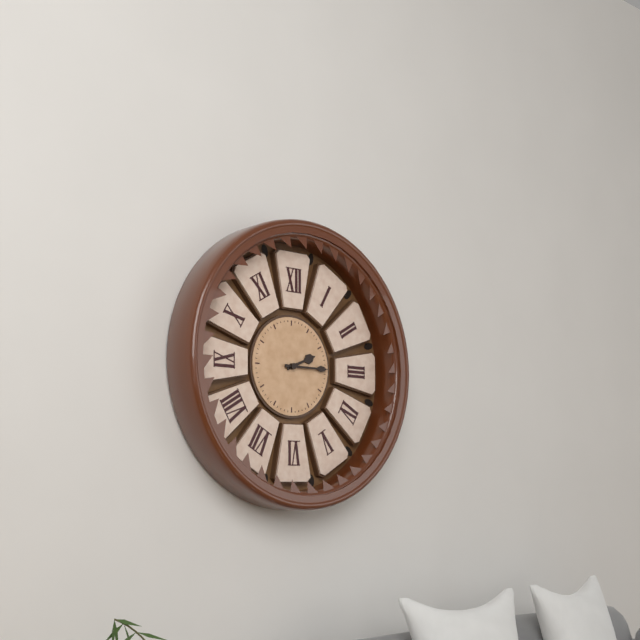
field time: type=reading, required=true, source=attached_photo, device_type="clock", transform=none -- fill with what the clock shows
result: 2:15
